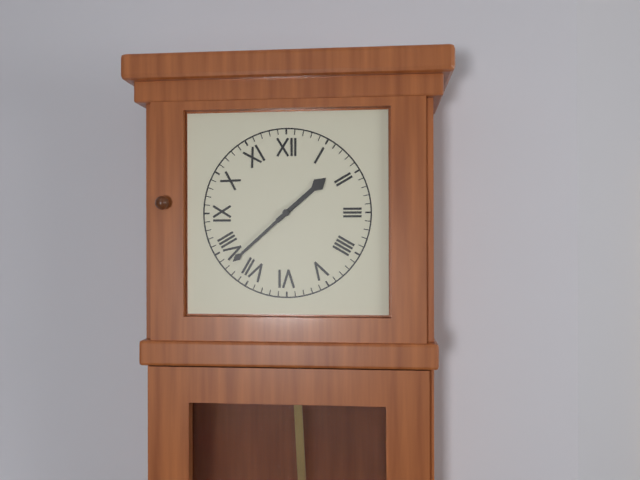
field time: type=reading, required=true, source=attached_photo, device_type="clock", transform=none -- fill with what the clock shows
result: 1:38
